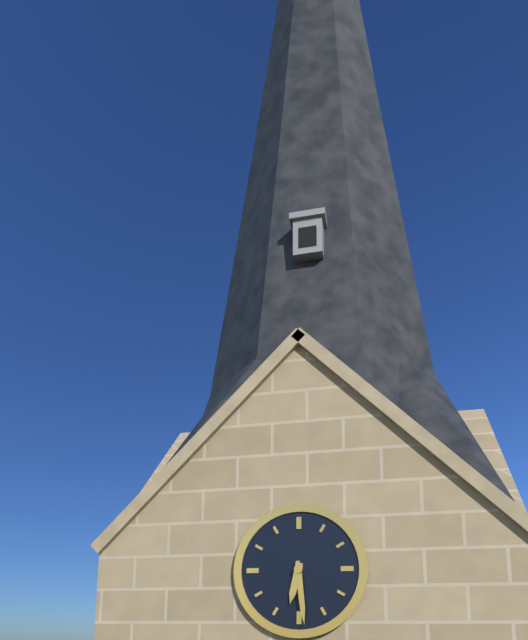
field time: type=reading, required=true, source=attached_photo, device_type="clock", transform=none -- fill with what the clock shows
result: 6:29
